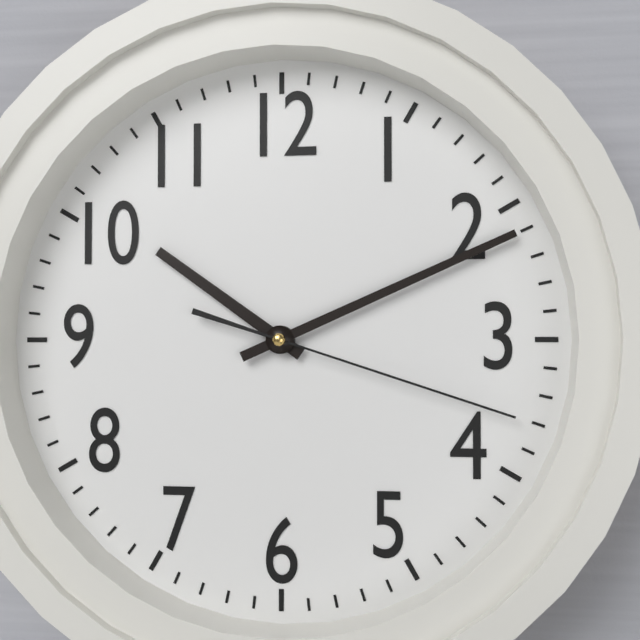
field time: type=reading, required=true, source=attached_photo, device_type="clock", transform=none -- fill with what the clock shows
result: 10:11:18
